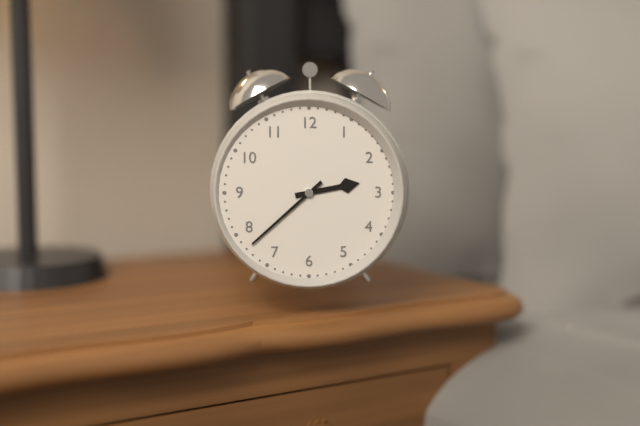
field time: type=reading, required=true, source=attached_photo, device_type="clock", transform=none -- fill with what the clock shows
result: 2:38
